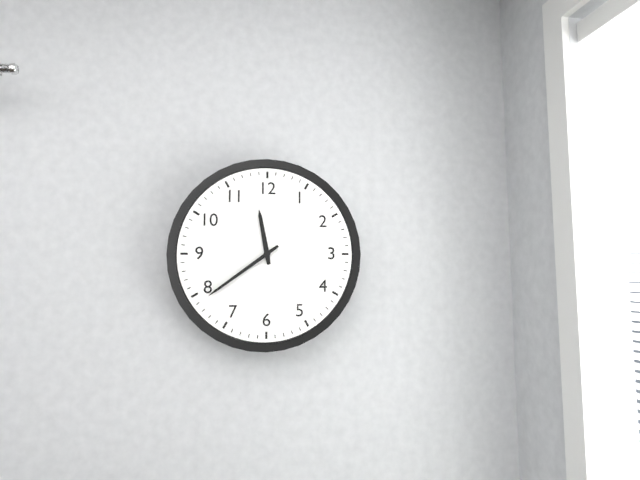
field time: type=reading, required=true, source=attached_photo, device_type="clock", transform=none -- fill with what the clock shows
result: 11:39
